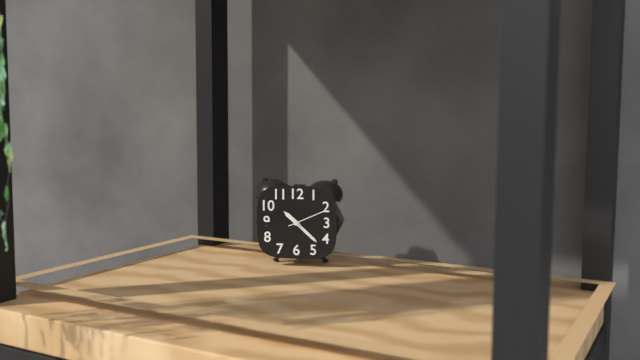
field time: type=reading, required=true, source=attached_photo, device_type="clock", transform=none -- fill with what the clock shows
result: 10:22
